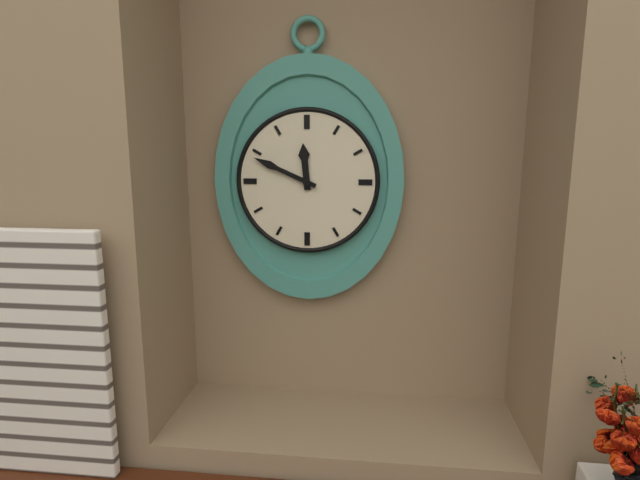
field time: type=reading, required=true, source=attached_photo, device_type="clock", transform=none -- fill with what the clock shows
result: 11:49
